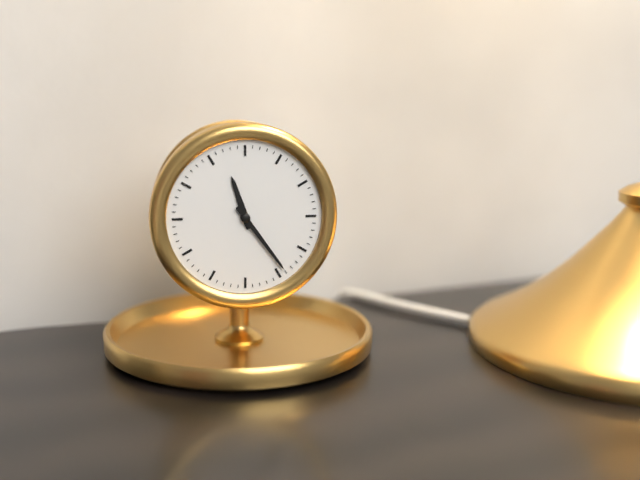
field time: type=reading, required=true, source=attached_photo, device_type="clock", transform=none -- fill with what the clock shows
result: 11:24
